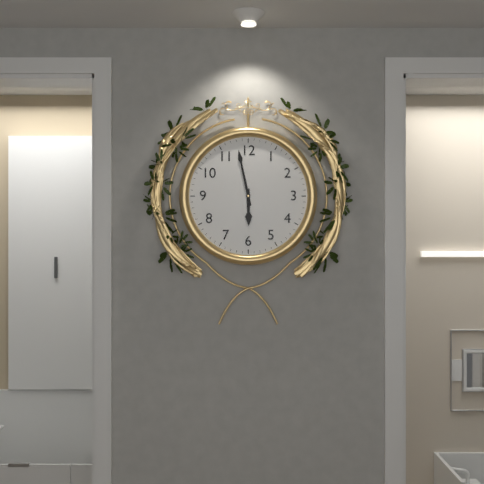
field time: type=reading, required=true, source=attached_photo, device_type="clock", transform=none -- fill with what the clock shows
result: 5:58
